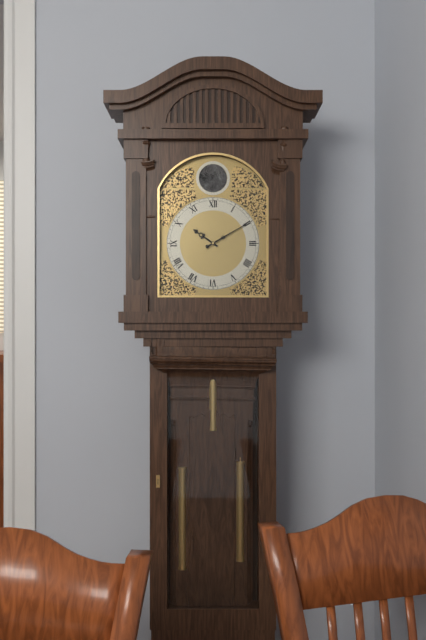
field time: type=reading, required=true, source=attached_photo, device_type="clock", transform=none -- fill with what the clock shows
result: 10:10
